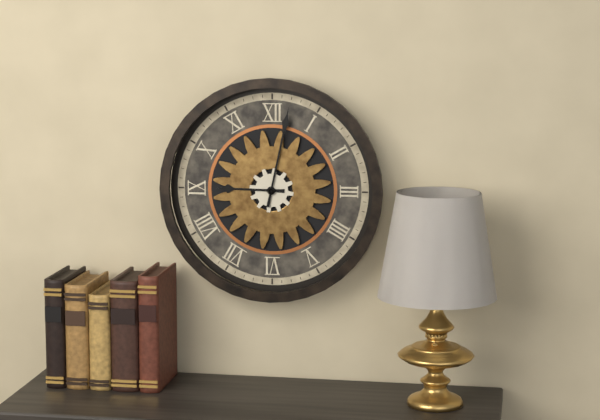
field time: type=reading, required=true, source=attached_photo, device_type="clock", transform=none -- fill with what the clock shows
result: 9:02
